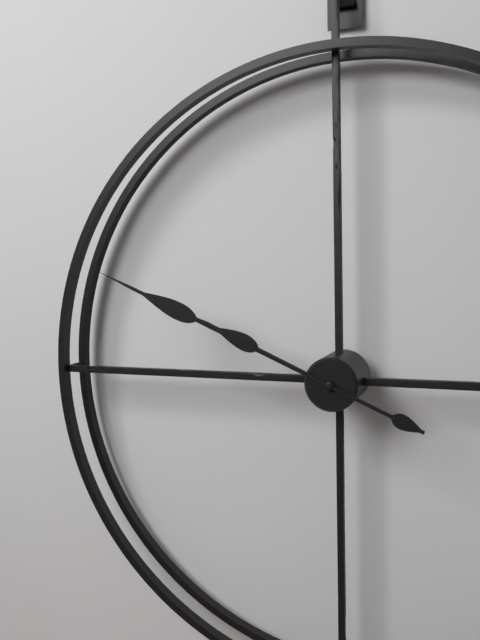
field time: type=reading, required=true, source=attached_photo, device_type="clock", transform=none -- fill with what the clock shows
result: 9:49
